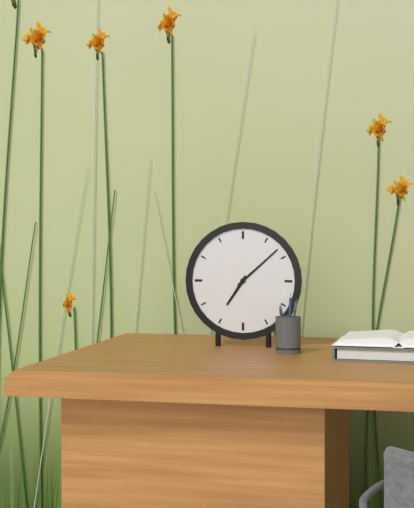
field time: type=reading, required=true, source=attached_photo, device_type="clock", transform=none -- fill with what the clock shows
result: 7:08
